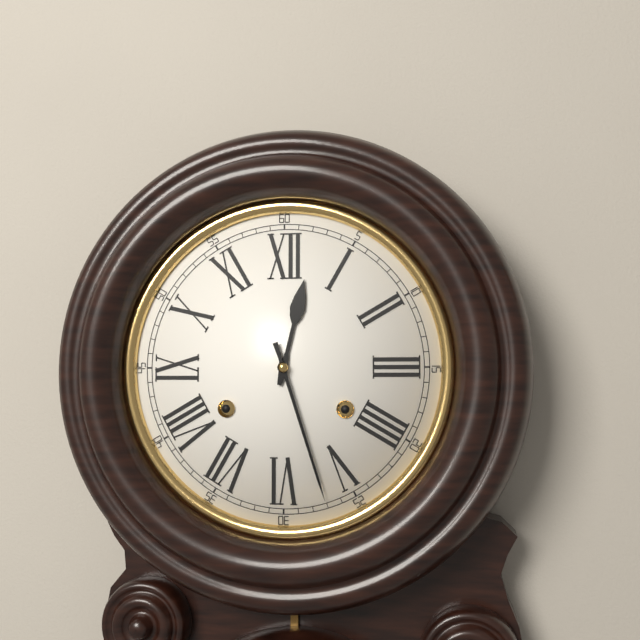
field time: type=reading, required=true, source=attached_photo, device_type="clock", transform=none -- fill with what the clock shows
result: 12:27
